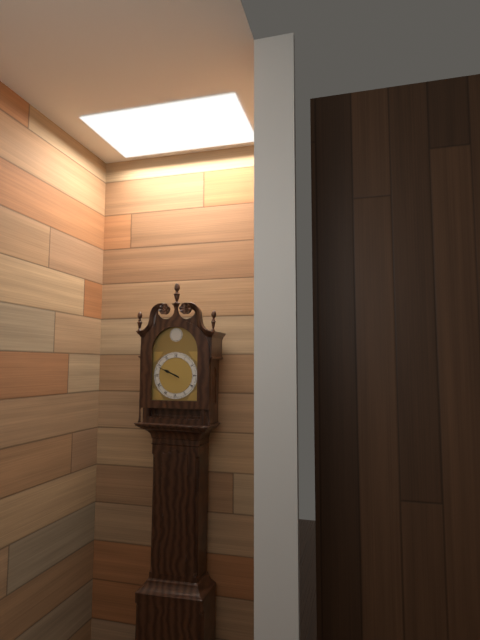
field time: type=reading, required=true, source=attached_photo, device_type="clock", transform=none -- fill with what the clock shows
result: 9:49
